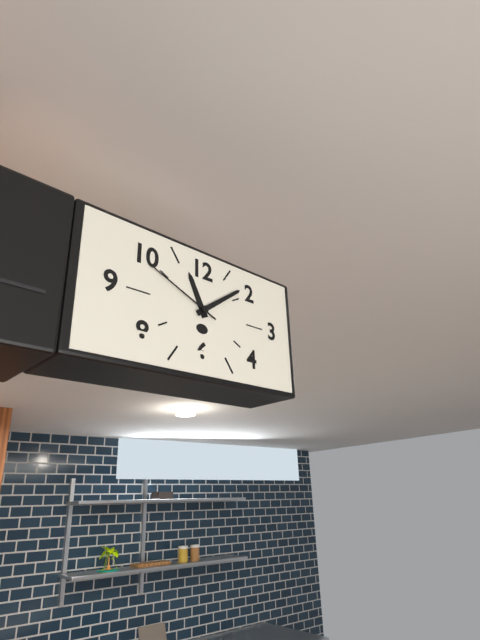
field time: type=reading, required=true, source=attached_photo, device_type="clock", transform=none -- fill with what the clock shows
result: 11:09:49
